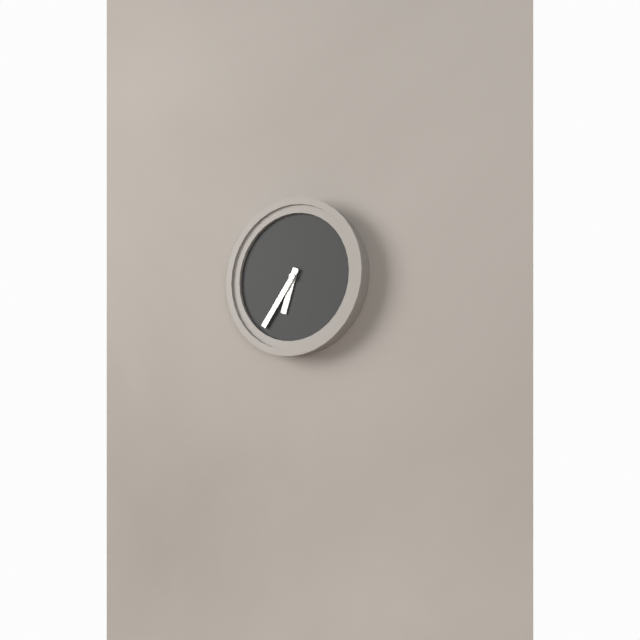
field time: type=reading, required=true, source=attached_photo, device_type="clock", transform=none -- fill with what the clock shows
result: 6:36
